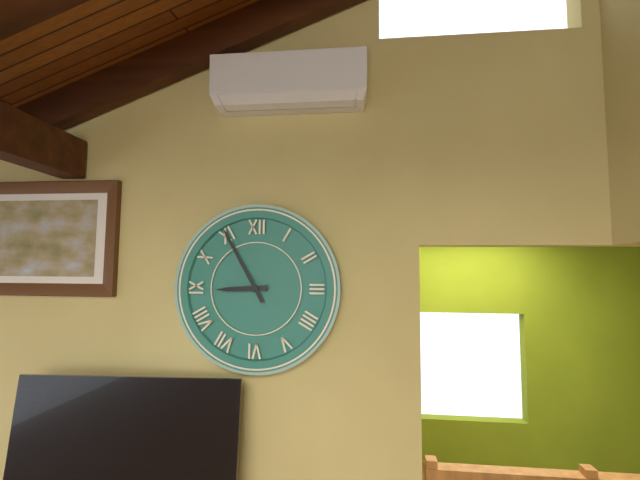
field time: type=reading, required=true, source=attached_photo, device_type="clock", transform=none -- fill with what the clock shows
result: 8:55
